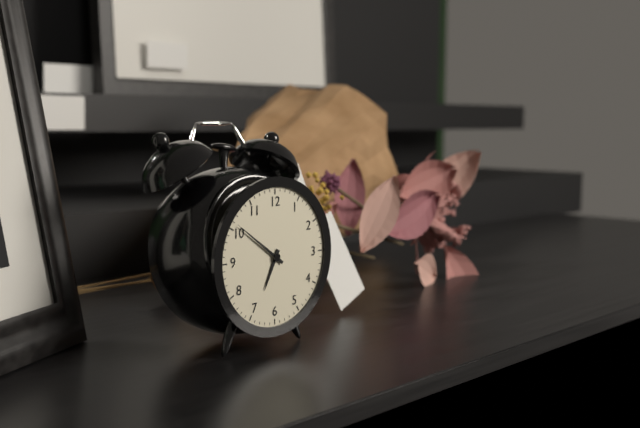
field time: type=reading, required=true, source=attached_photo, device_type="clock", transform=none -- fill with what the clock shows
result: 6:51
